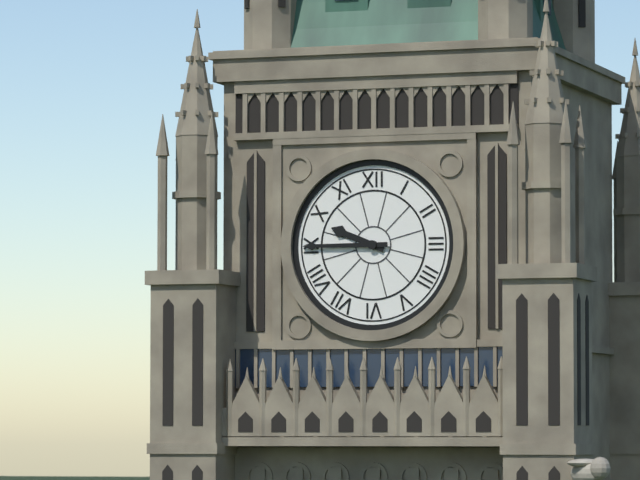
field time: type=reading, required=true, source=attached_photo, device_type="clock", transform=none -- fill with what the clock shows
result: 9:45
